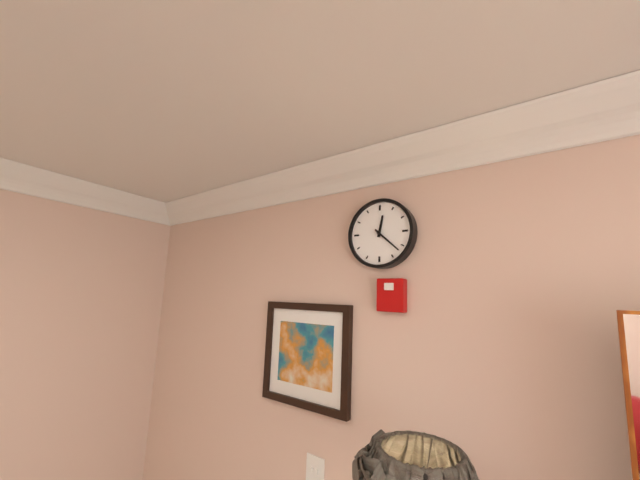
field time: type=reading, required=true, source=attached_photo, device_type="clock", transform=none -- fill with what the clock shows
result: 12:22
